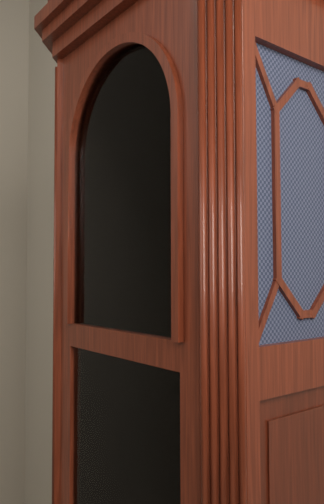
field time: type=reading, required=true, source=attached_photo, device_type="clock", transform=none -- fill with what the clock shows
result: 12:15
